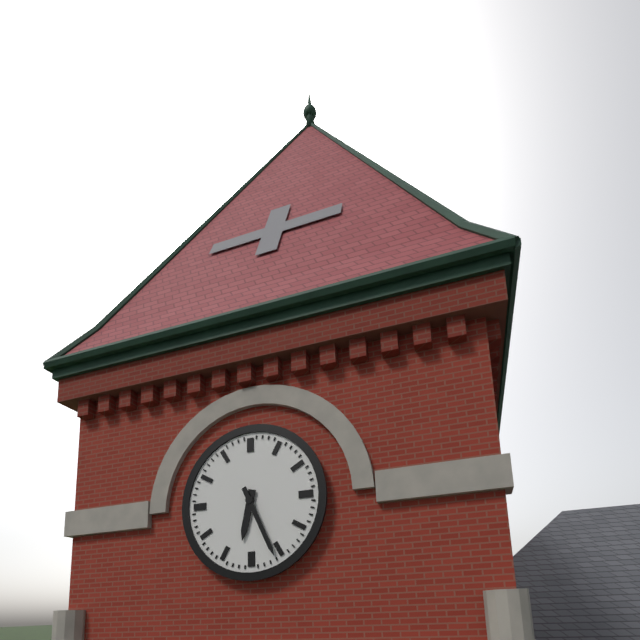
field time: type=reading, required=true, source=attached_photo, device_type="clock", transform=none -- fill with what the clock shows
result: 6:26
